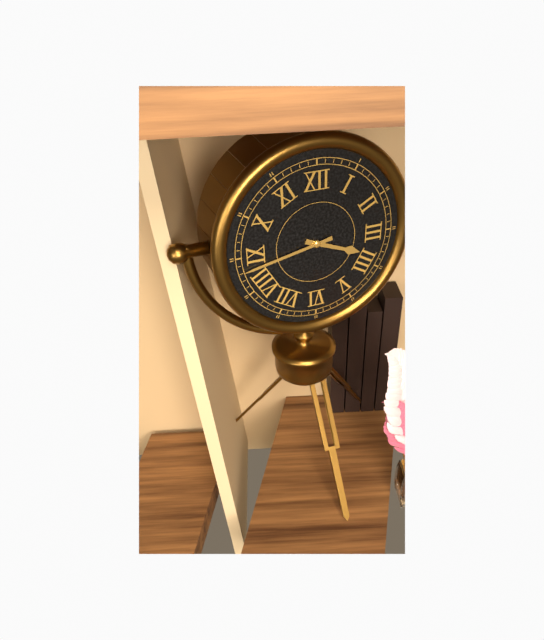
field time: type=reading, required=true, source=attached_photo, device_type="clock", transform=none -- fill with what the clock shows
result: 3:43
